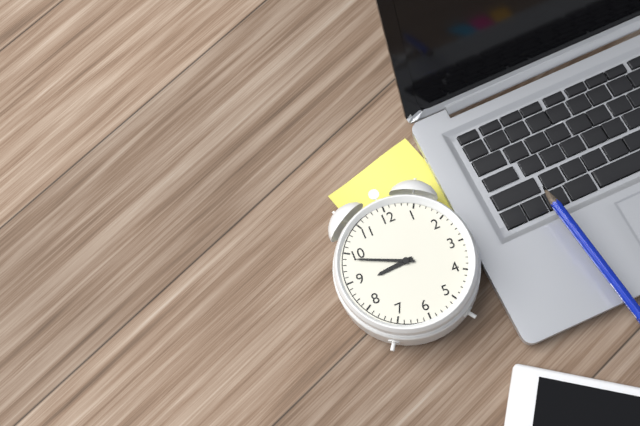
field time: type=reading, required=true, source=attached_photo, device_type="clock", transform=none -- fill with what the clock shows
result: 8:49
